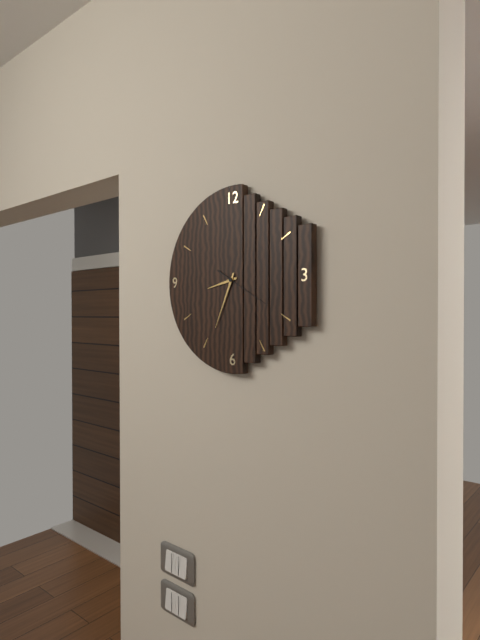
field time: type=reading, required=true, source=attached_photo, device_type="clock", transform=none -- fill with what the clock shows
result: 8:34:20
